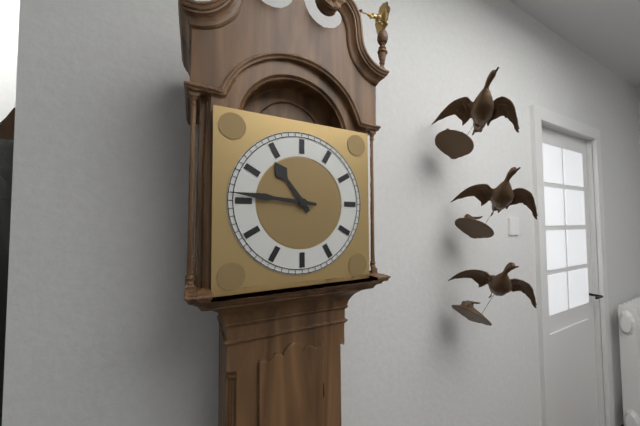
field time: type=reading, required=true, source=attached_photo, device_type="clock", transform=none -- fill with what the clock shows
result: 10:46
